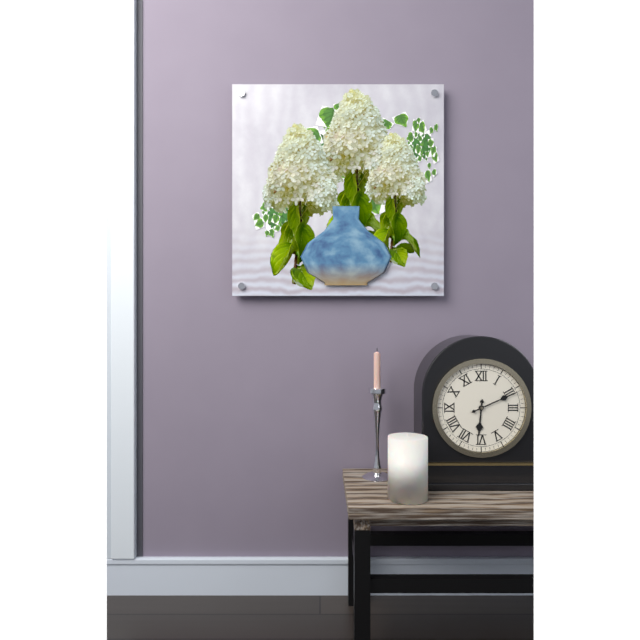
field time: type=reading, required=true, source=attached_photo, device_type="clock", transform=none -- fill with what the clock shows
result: 6:11
